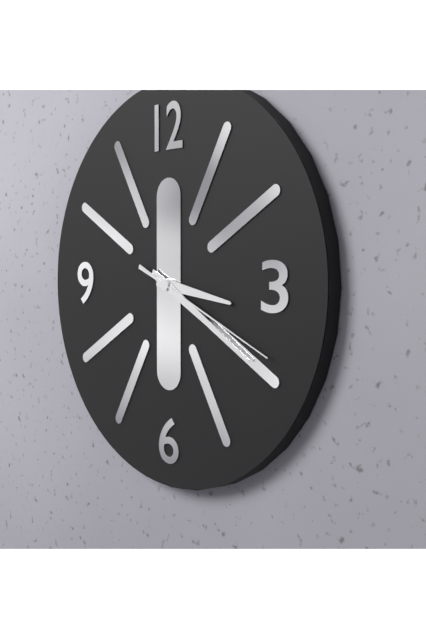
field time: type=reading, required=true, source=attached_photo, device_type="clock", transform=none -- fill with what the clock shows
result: 3:20:19
